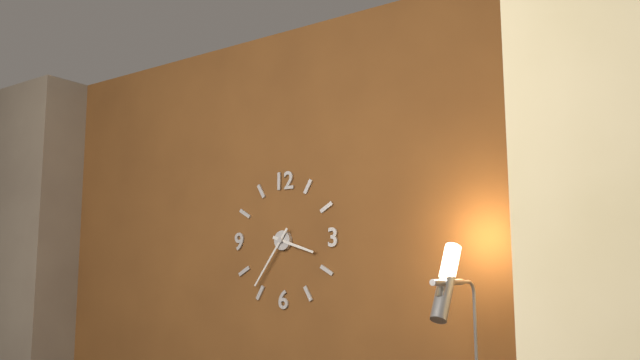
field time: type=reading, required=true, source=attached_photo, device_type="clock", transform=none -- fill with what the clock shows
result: 3:36
